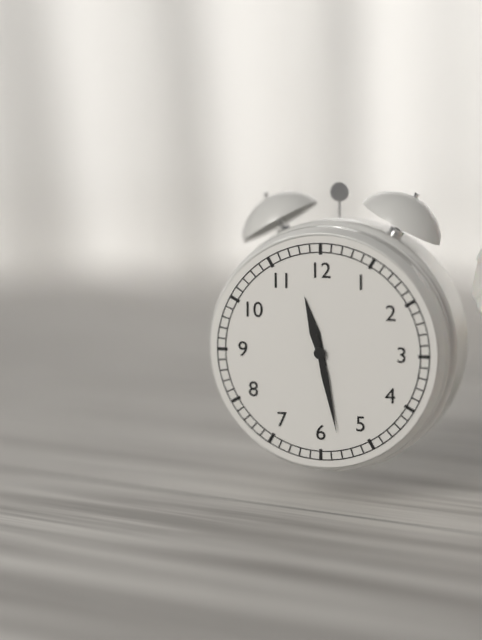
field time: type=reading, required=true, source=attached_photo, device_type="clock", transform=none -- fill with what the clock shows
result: 11:28
